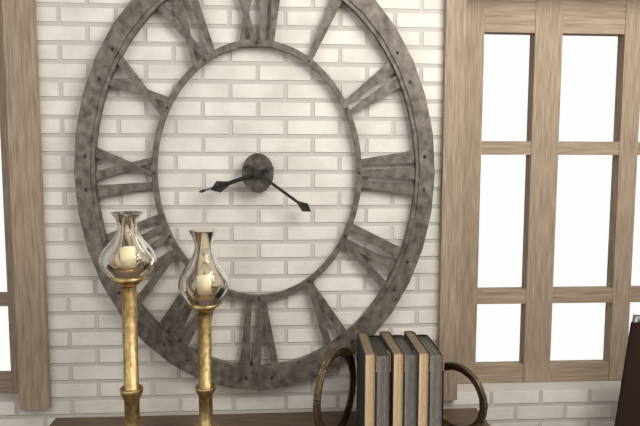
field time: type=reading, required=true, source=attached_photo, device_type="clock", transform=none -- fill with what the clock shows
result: 8:21:42
